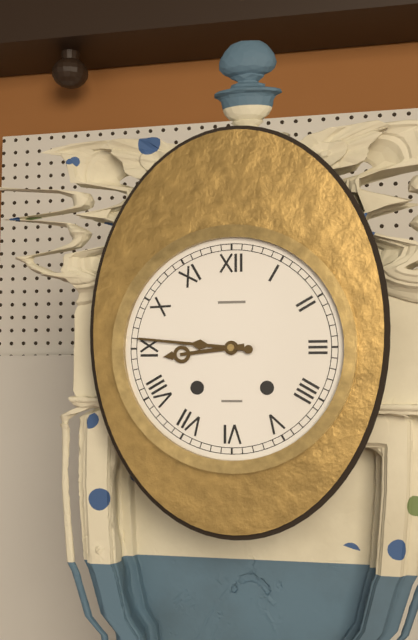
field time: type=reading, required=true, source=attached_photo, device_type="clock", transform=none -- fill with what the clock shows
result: 8:46
